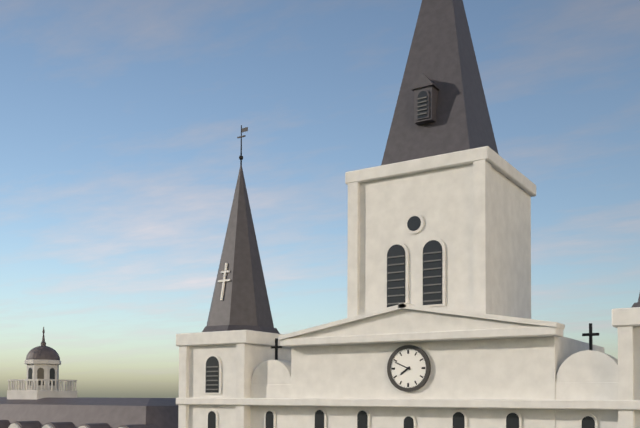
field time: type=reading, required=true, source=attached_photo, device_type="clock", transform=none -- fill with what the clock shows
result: 7:49
